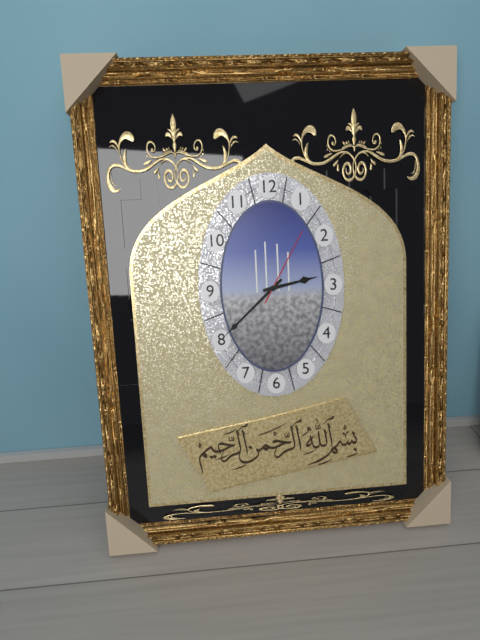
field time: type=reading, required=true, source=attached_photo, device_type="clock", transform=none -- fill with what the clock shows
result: 2:38:05
